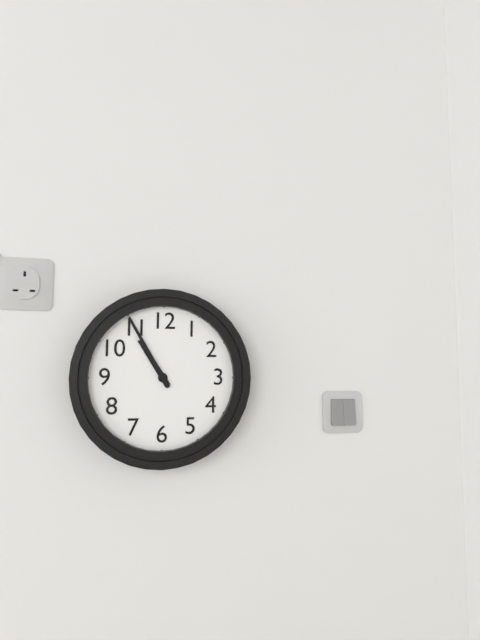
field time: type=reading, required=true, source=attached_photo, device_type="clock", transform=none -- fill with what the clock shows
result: 10:55
